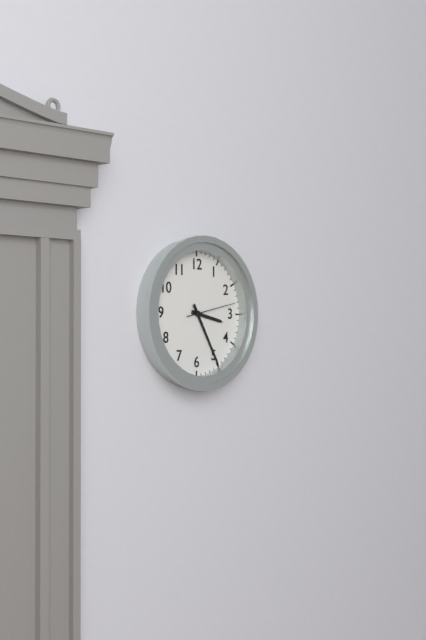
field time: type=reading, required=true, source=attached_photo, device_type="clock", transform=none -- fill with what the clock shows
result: 3:25
